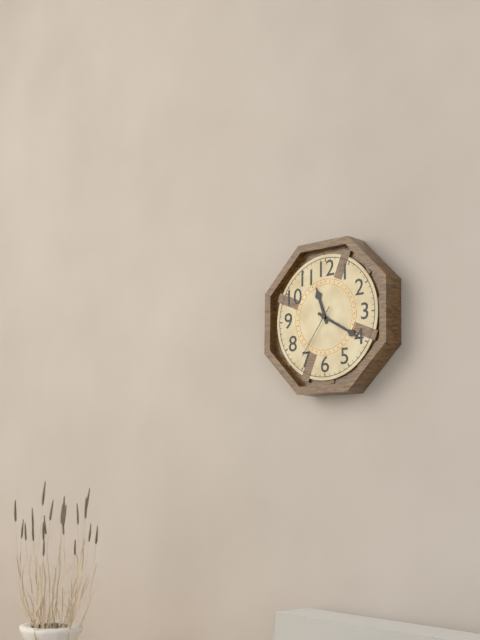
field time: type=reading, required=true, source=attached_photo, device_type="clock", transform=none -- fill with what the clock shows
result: 11:20:36
